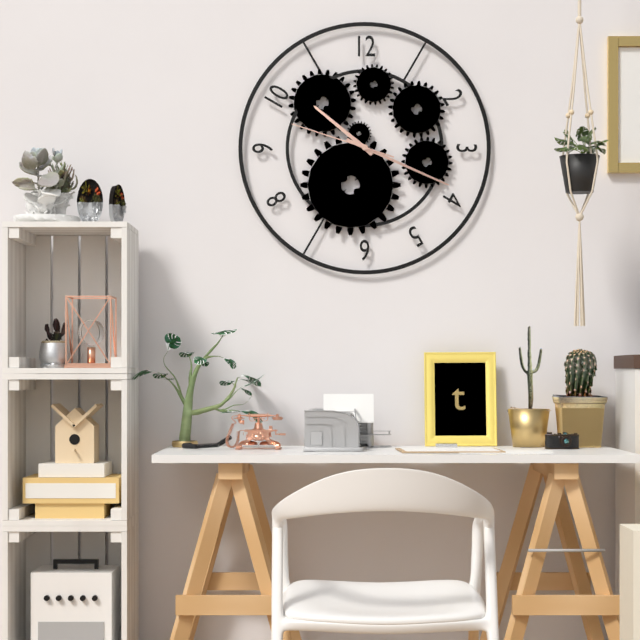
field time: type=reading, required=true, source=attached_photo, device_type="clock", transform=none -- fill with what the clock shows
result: 10:19:48
